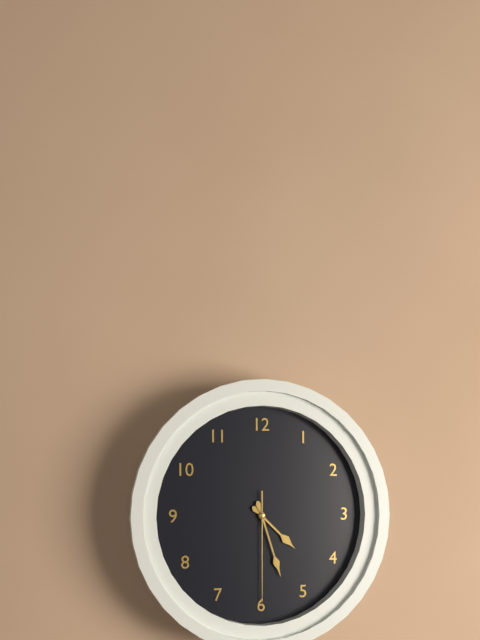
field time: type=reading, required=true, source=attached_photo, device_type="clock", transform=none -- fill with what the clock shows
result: 4:27:30
